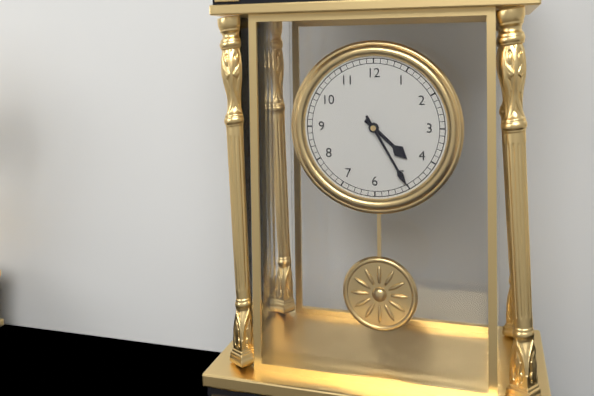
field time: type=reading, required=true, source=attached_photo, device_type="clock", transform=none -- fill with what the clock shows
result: 4:25
